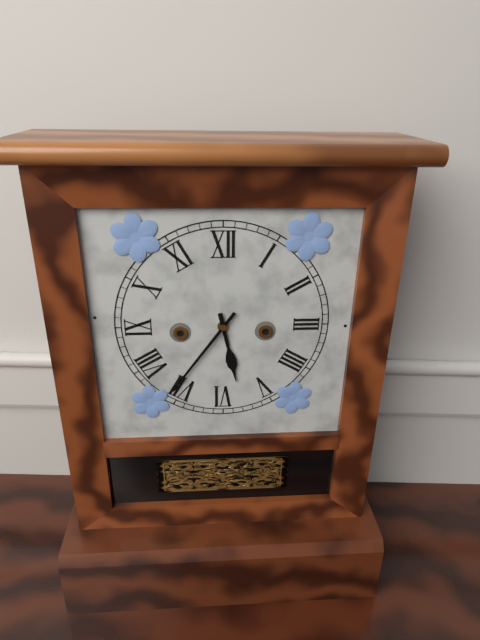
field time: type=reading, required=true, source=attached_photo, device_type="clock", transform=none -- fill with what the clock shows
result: 5:36
